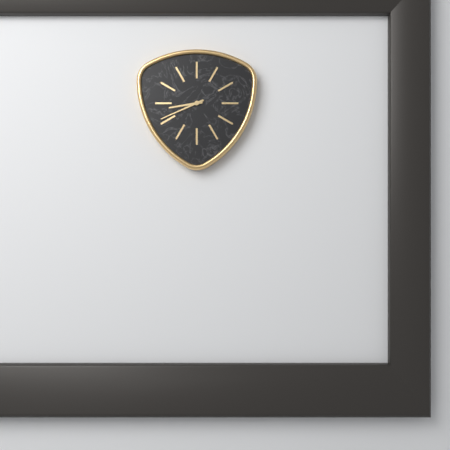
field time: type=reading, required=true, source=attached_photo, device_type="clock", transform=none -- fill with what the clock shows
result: 8:41
